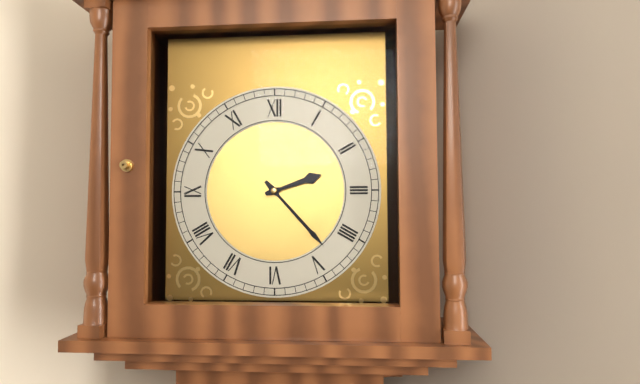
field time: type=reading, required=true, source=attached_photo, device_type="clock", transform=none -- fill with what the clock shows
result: 2:23
